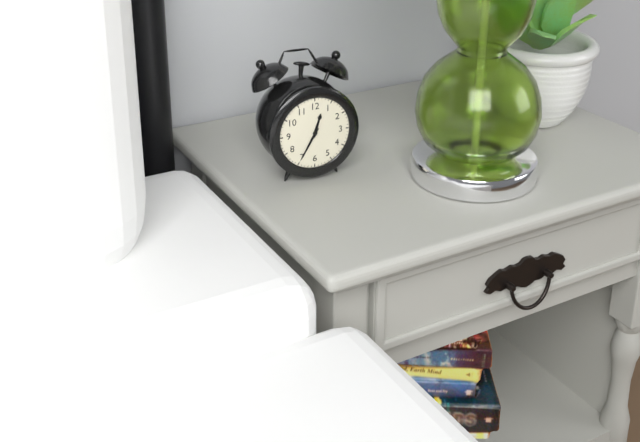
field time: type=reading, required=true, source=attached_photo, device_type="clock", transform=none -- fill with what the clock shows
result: 12:35
